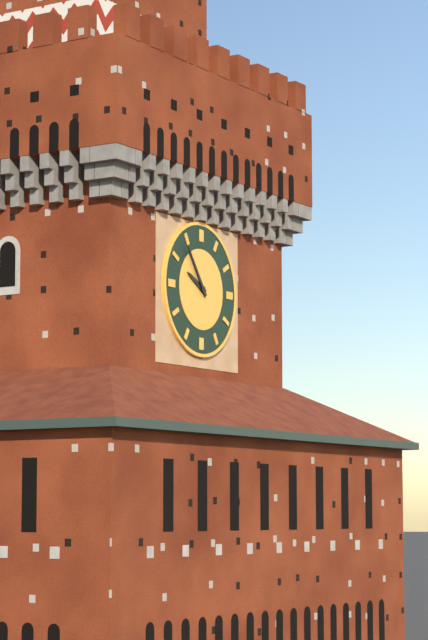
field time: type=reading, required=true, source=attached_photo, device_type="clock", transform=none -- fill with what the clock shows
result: 9:54
